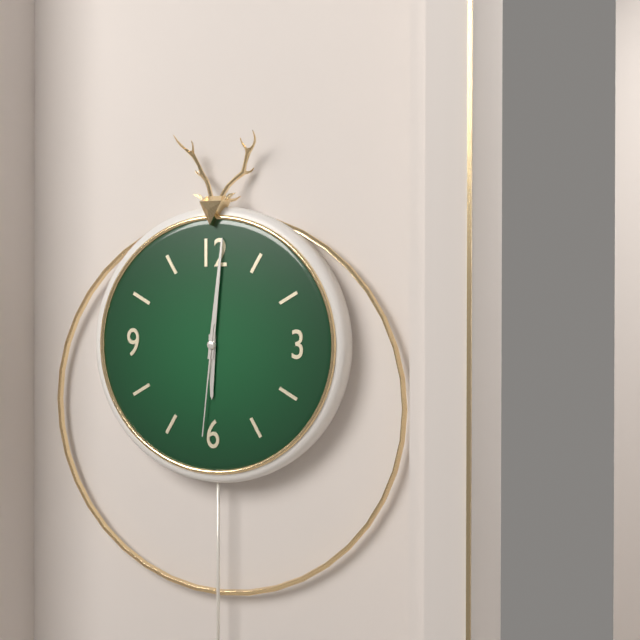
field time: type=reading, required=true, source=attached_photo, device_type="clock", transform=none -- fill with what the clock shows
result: 6:01:31
